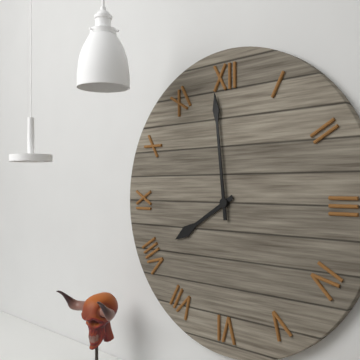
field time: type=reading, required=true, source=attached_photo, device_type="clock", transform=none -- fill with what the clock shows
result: 7:59
